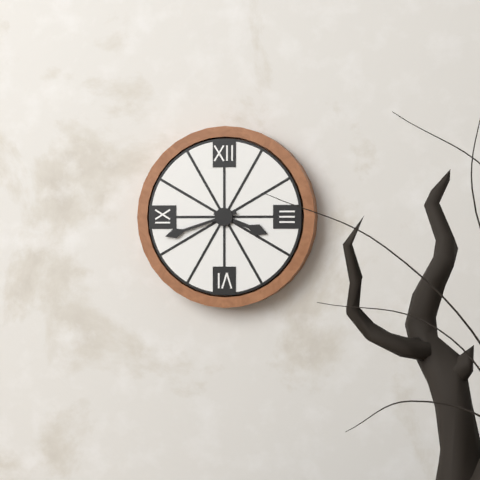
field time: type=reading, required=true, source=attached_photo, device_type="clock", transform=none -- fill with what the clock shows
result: 3:42
